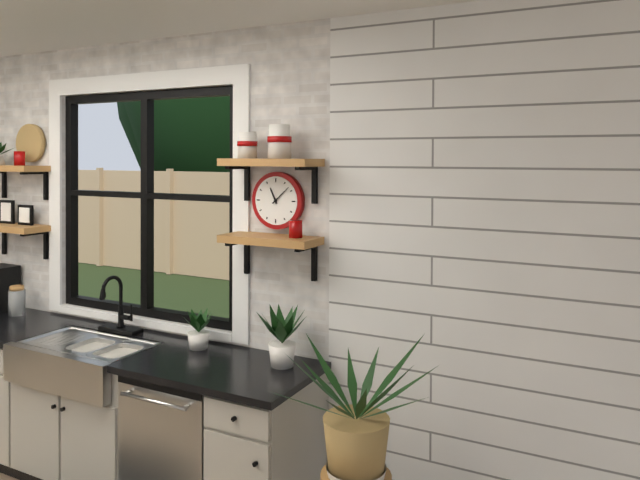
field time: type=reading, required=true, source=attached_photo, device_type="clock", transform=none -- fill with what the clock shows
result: 11:08
